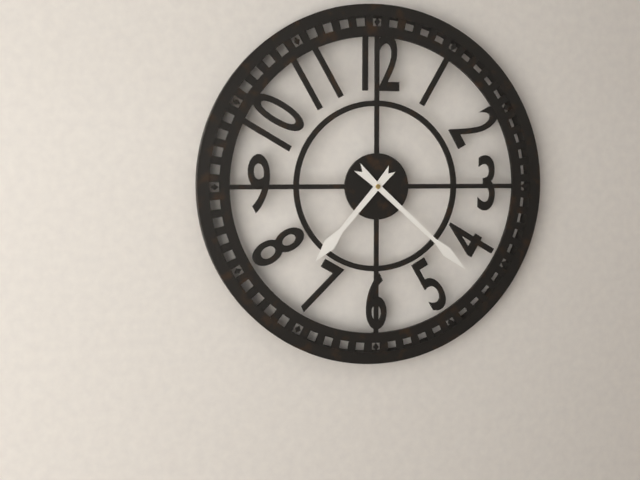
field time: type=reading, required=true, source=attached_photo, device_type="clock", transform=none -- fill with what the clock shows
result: 7:22
